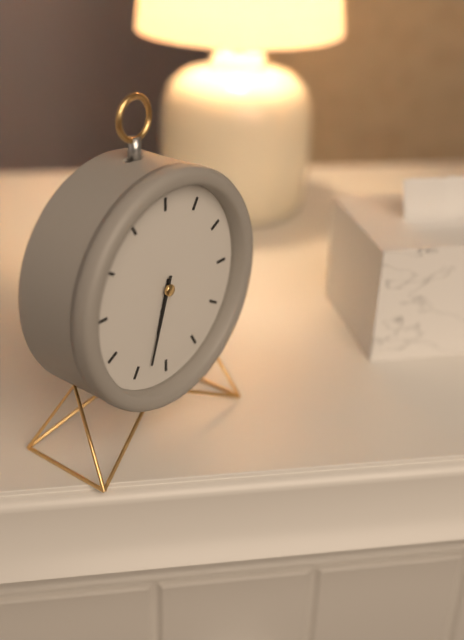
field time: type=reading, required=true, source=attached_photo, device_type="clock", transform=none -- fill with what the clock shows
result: 6:33
